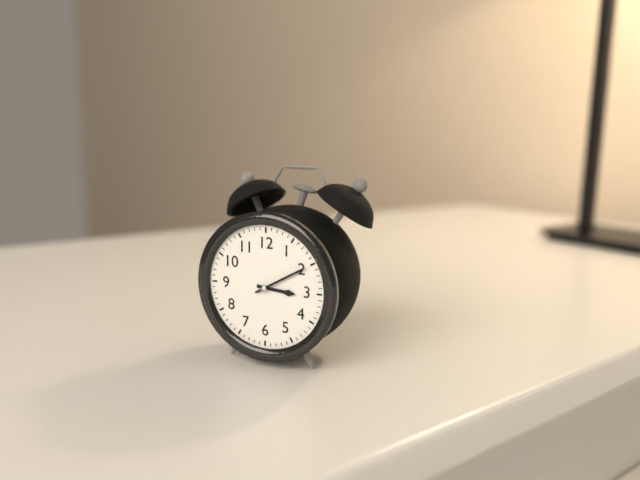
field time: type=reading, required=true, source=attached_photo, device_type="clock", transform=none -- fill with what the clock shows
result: 3:10
